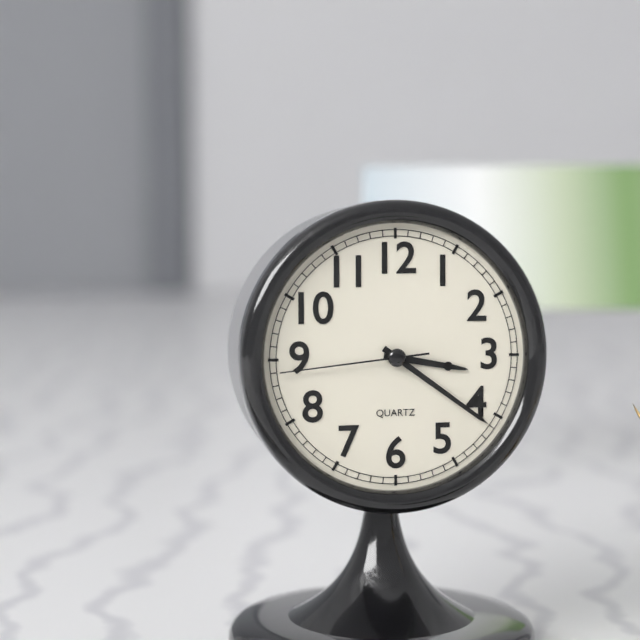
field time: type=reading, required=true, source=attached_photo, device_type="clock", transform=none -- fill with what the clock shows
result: 3:21:44
